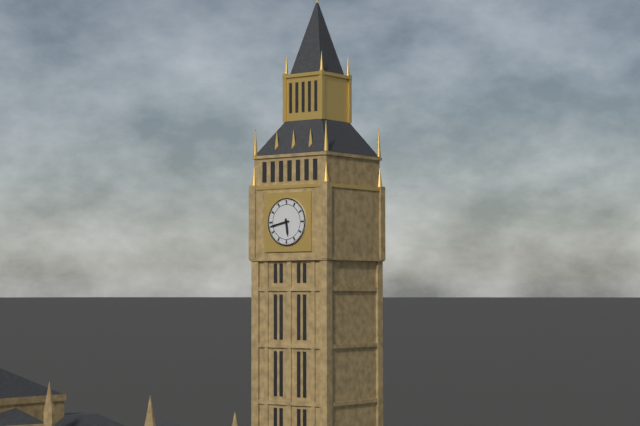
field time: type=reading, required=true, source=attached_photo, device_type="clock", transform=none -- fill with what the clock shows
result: 5:43
